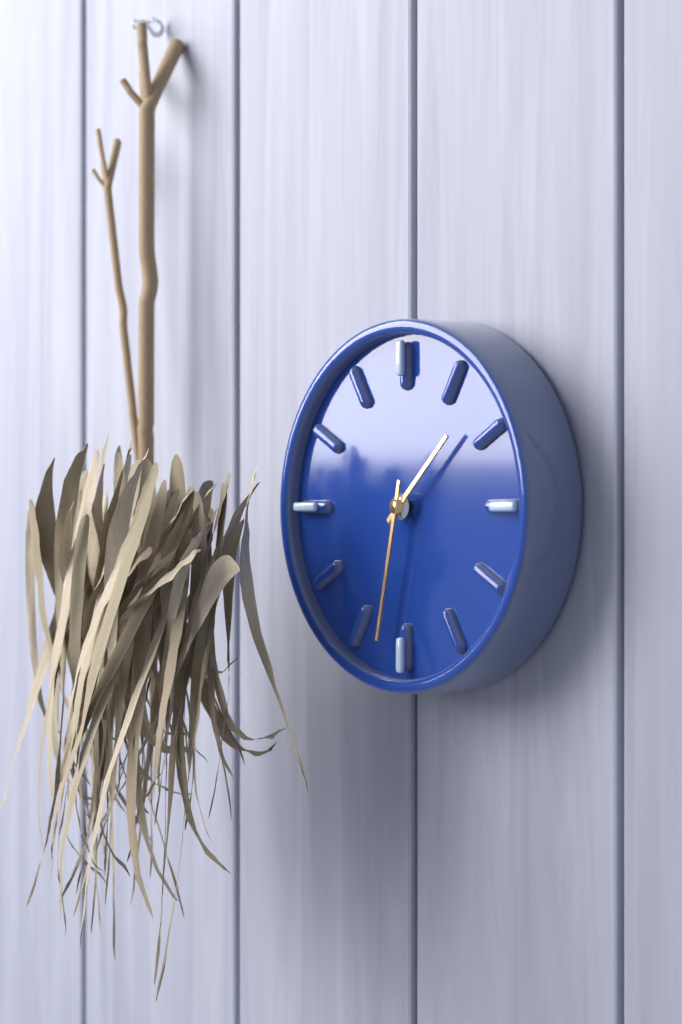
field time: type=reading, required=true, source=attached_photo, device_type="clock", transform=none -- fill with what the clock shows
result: 1:32
